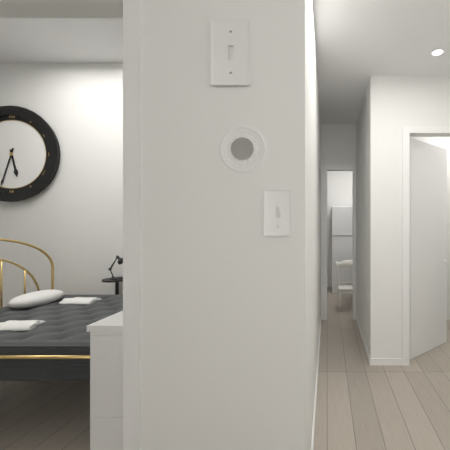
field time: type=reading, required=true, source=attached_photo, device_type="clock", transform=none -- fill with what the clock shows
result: 5:33
